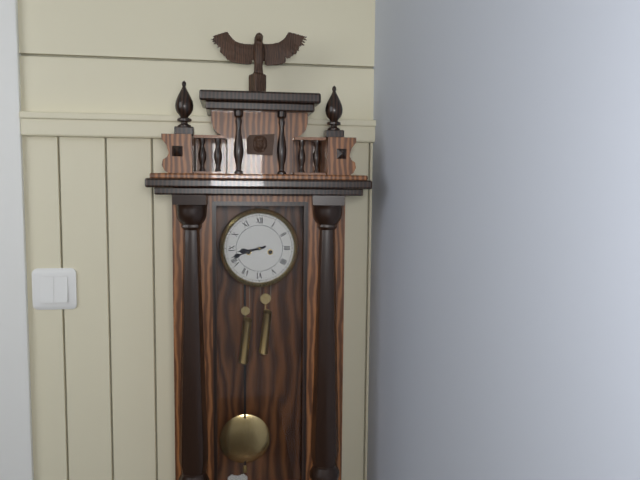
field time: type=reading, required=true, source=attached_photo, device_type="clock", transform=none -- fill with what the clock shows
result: 8:42
